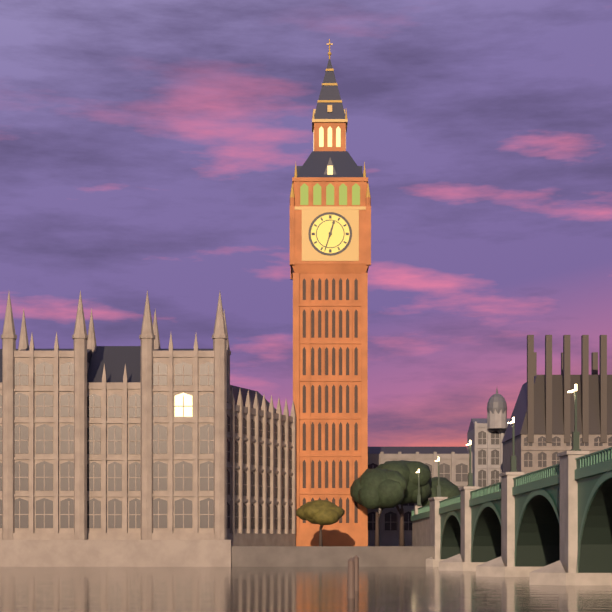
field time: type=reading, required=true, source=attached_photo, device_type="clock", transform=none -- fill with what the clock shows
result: 12:33
